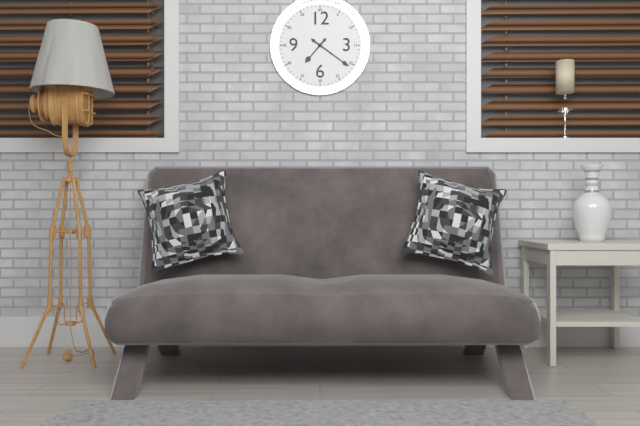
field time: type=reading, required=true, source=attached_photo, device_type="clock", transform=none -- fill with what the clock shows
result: 7:21
